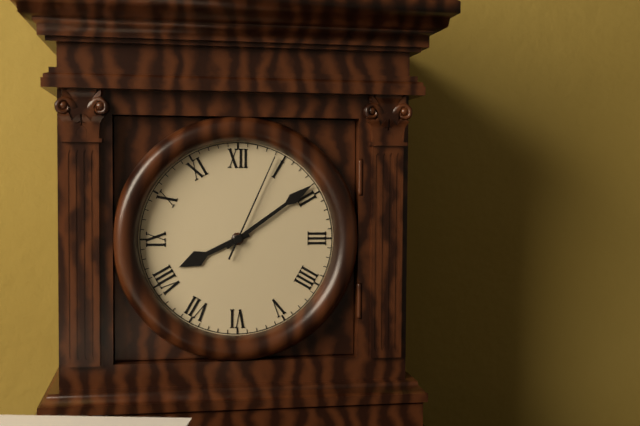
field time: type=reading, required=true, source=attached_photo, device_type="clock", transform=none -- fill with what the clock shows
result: 8:09:04
